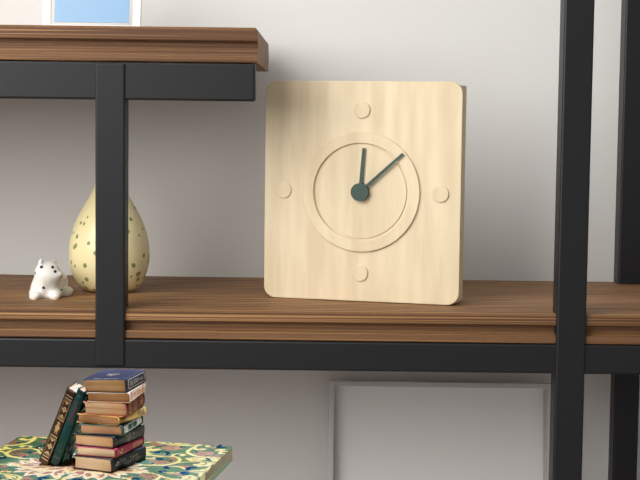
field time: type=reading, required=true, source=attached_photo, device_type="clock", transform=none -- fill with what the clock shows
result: 12:08
